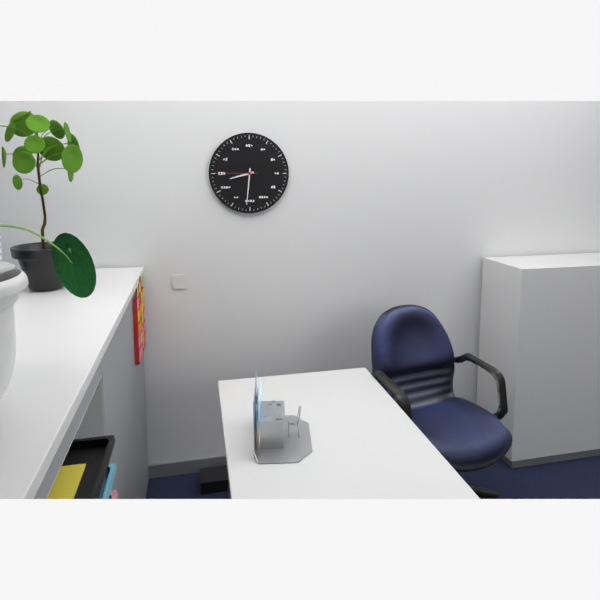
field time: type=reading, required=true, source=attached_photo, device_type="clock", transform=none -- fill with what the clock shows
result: 8:31
